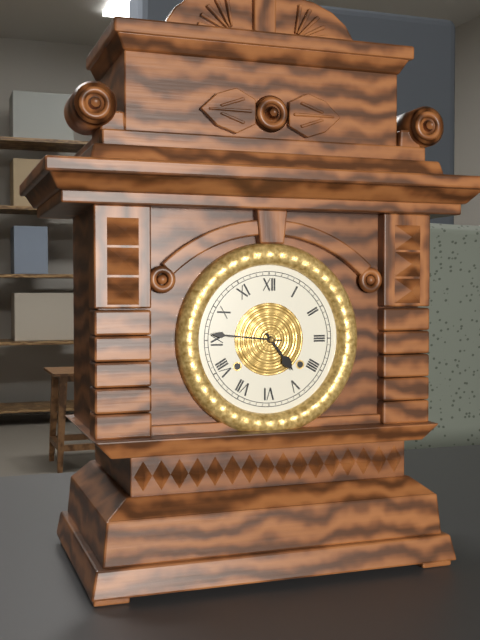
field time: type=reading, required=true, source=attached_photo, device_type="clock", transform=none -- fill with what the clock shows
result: 4:46
